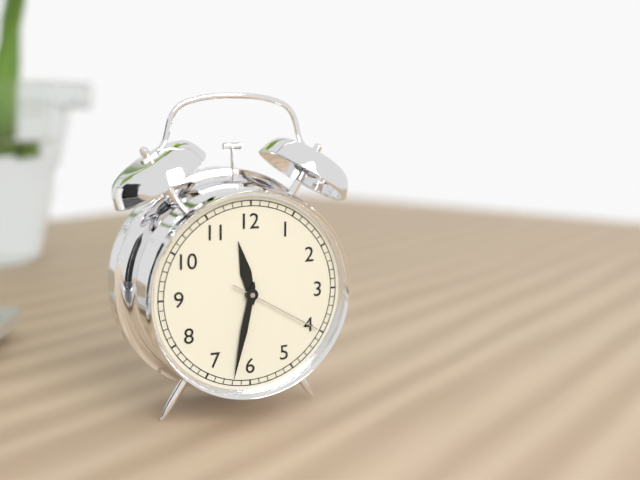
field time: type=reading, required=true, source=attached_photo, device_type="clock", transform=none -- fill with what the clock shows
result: 11:32:20
